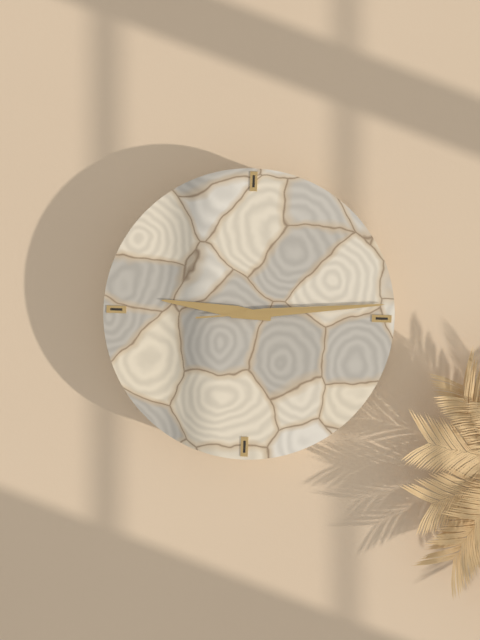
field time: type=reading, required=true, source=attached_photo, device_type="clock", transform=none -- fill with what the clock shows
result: 9:14:14
